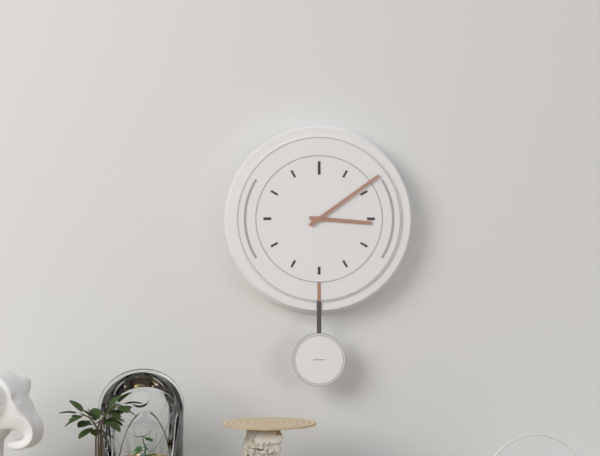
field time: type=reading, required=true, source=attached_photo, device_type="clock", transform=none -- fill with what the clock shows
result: 3:09
